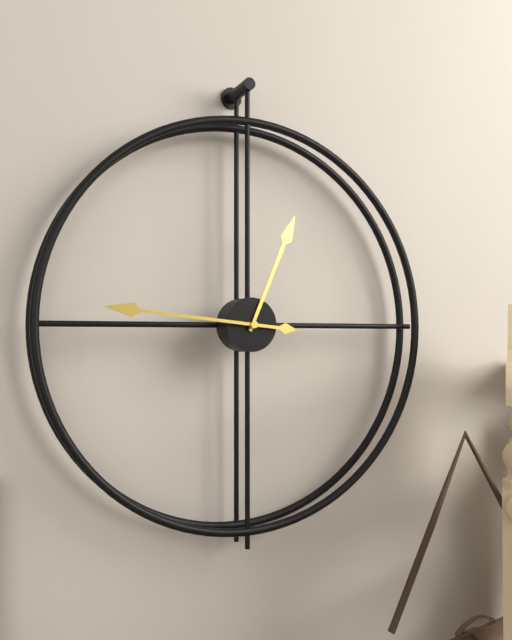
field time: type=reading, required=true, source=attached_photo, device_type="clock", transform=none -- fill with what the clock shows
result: 12:46
